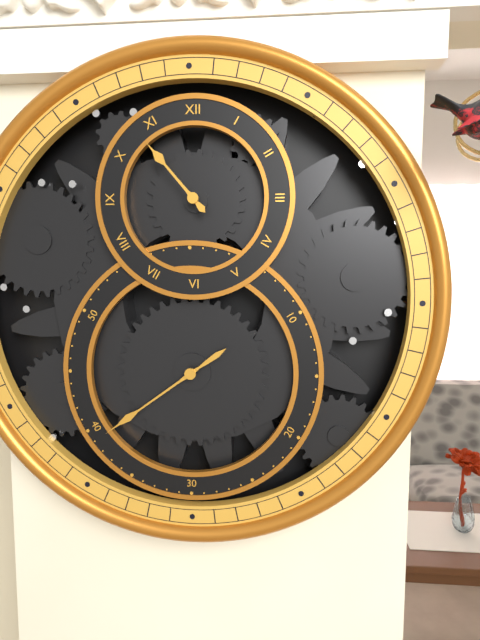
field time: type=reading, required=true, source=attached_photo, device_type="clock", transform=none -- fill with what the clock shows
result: 10:39
